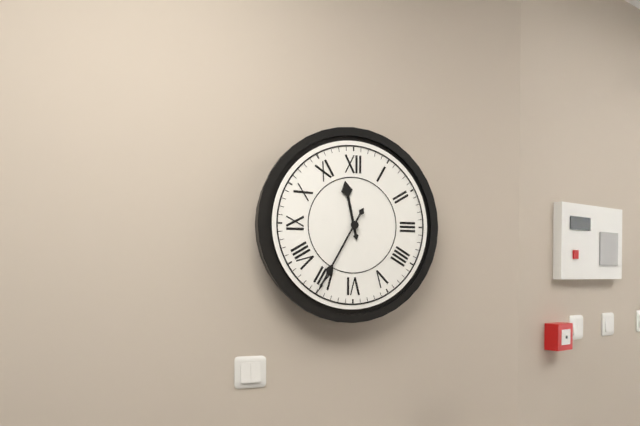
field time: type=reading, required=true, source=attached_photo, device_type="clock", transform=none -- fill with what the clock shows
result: 11:35
